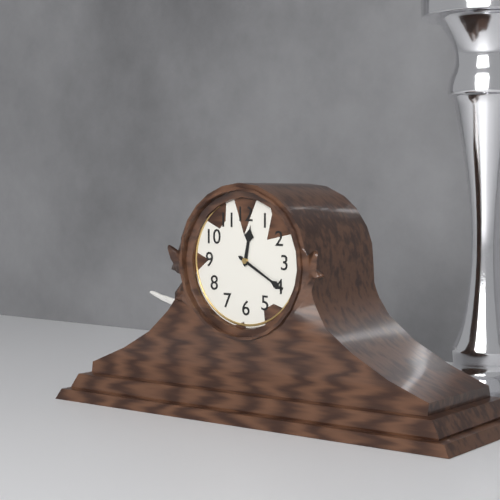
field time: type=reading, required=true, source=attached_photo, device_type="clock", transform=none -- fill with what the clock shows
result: 12:20
